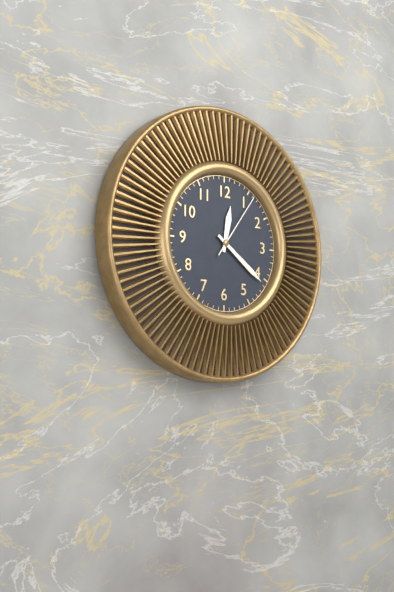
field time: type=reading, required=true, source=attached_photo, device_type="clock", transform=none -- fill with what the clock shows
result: 12:21:06
